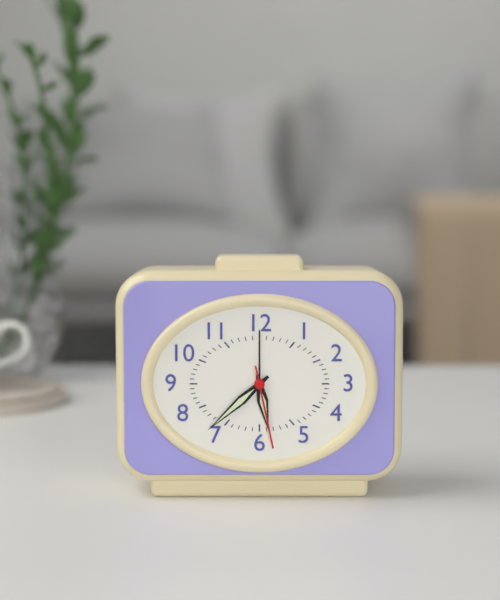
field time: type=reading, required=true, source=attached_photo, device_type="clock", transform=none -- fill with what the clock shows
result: 5:38:28
